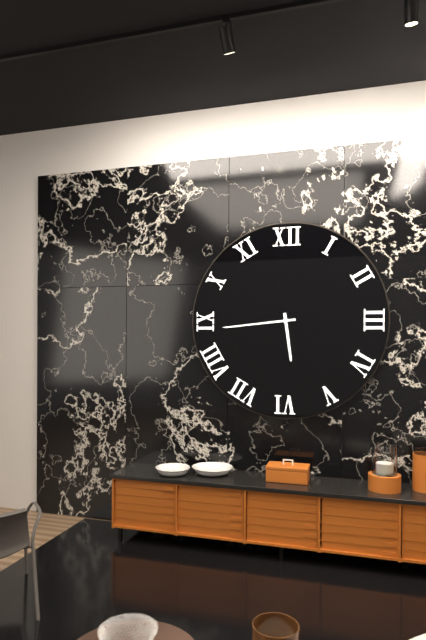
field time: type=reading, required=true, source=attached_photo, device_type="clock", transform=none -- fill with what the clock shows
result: 5:44
